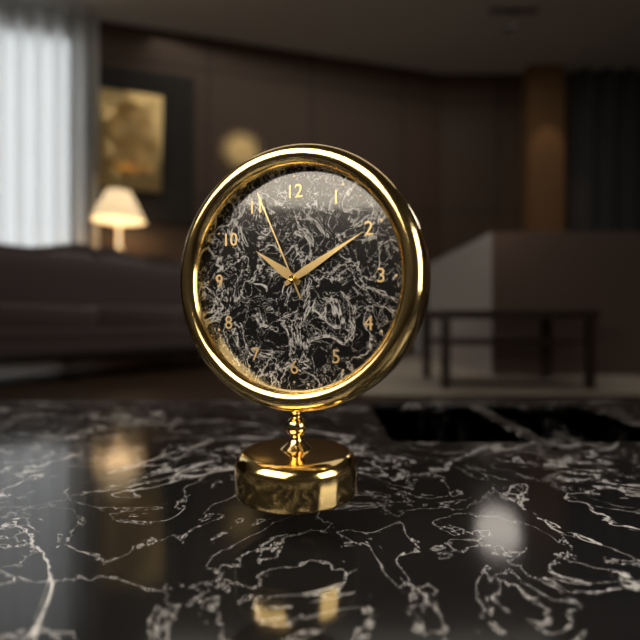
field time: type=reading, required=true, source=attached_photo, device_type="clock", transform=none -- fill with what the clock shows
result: 10:10:56
